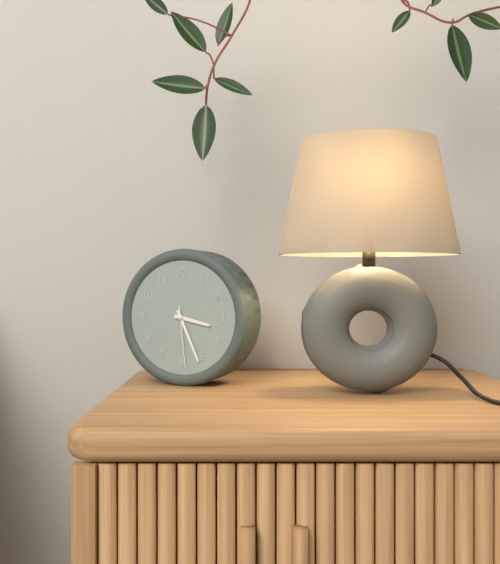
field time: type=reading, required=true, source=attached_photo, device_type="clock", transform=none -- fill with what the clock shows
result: 3:26:29
